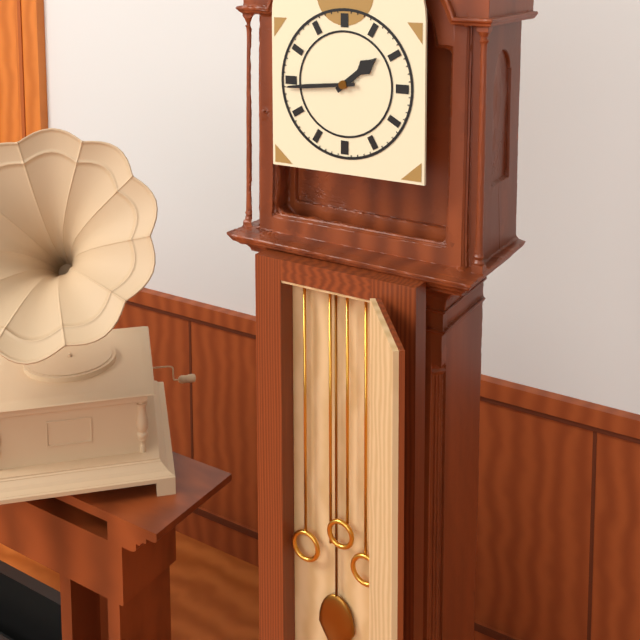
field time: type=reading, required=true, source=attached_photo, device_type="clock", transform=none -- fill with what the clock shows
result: 1:44
